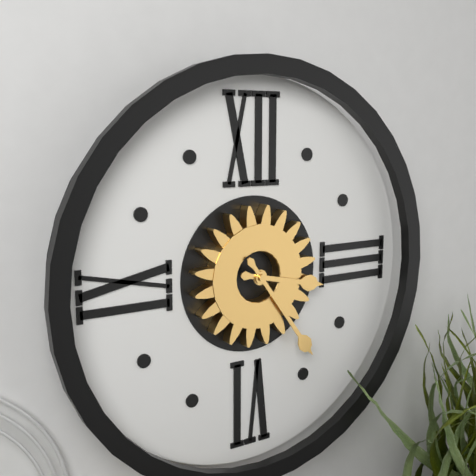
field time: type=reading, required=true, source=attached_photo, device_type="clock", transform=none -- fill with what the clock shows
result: 3:24
